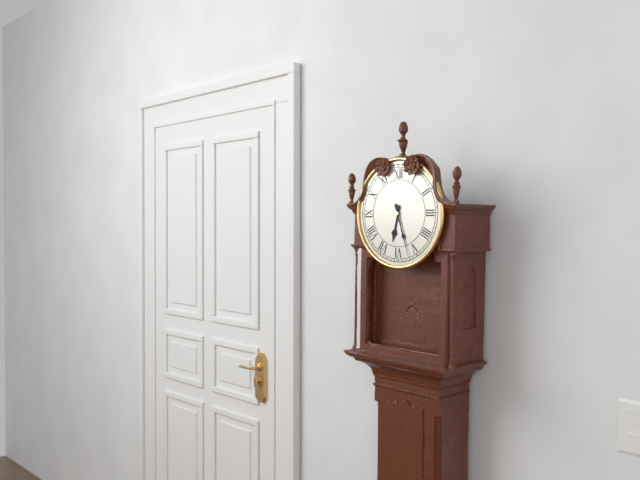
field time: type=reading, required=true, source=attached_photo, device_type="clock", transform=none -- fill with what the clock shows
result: 6:27
